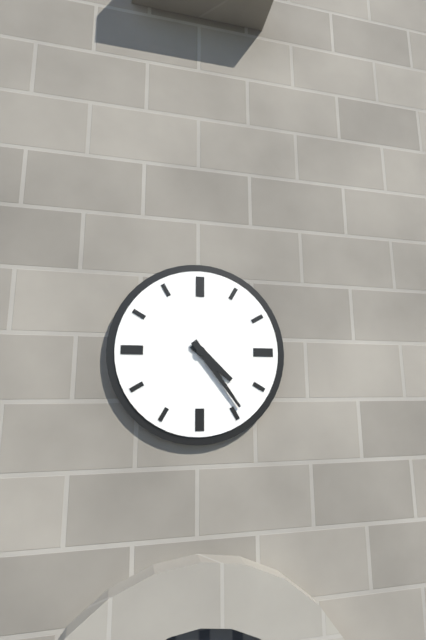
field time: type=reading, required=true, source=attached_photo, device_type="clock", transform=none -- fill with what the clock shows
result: 4:24
